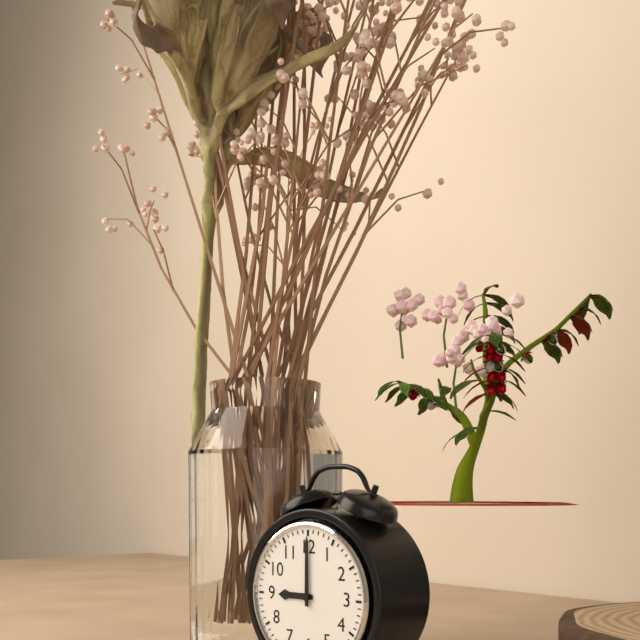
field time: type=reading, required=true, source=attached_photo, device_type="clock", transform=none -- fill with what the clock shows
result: 9:00
